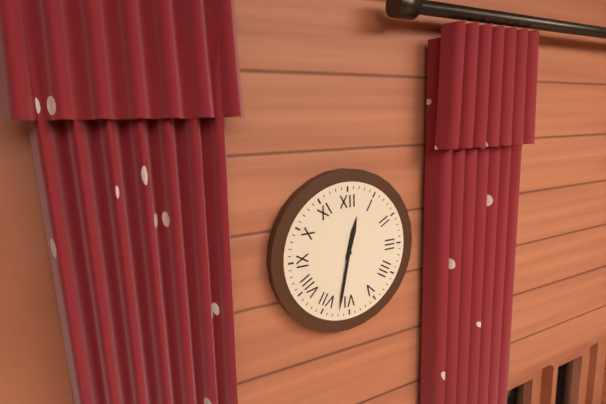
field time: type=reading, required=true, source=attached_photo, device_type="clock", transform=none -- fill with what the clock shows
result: 12:32
